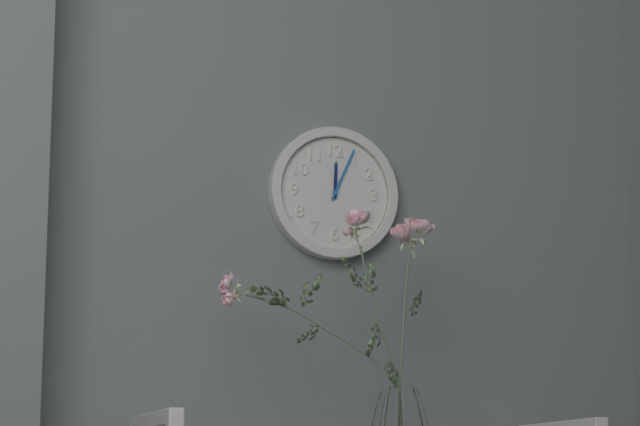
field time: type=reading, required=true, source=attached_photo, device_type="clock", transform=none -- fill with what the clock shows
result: 12:04
